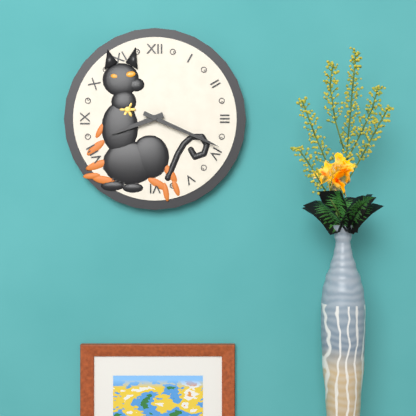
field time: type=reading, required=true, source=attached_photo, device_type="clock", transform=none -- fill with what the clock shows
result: 8:19
